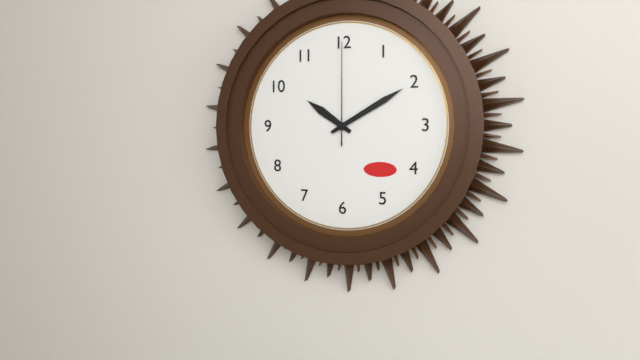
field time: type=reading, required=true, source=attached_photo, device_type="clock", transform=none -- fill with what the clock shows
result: 10:10:00
